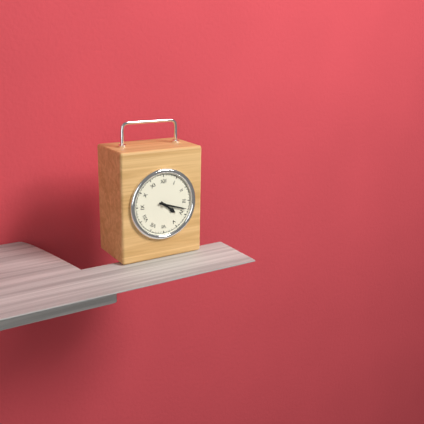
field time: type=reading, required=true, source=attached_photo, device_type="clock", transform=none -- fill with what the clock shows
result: 4:18
